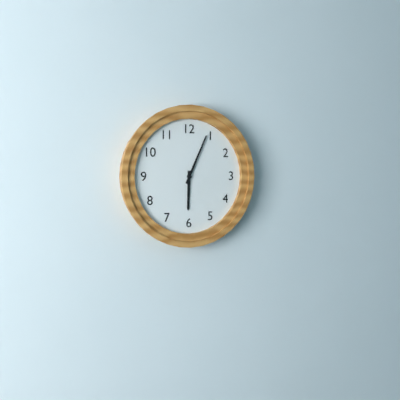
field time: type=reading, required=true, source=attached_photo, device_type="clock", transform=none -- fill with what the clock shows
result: 6:04
